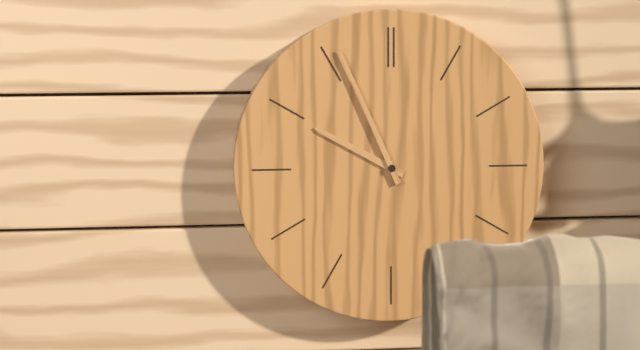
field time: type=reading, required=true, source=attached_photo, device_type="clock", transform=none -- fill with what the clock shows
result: 9:56
